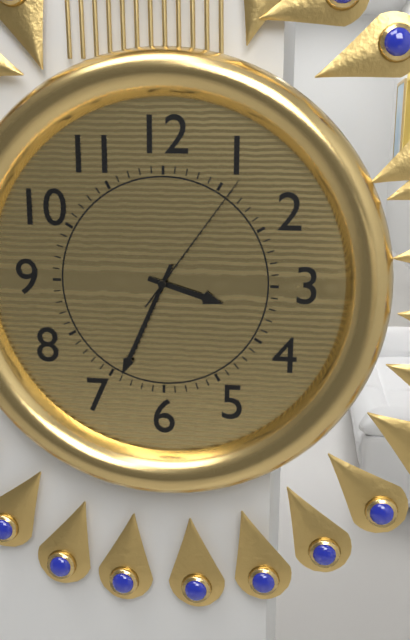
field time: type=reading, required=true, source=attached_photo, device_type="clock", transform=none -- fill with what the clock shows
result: 3:34:06
